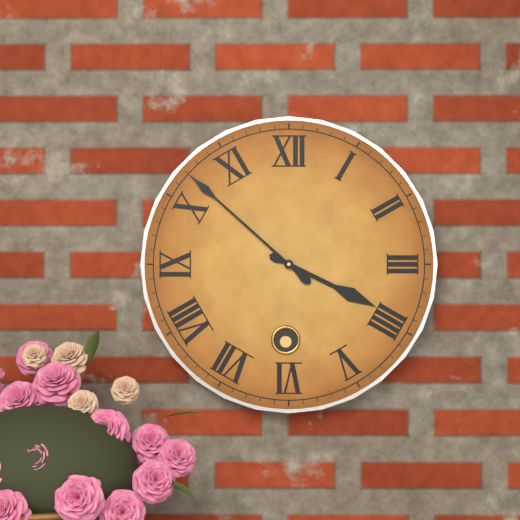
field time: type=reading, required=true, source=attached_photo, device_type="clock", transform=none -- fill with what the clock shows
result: 3:52
